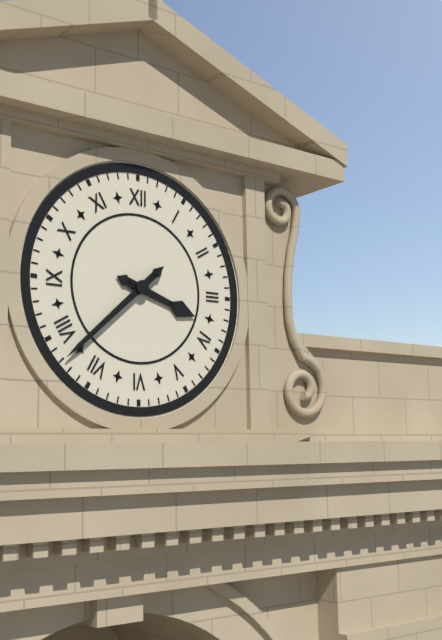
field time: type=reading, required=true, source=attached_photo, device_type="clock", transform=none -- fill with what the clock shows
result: 3:38
